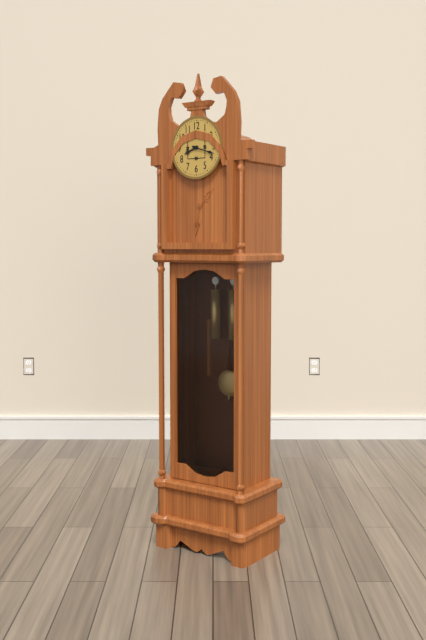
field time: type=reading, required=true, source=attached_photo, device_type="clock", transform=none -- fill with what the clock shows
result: 8:18
